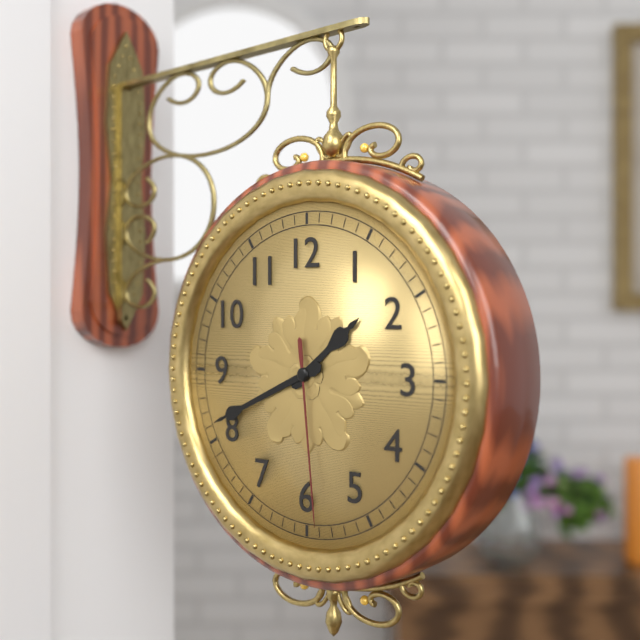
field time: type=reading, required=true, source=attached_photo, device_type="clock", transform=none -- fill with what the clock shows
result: 1:41:29
